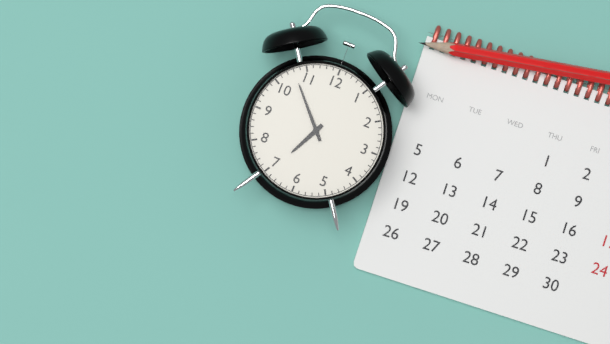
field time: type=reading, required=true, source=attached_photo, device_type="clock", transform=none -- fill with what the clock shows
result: 6:53
